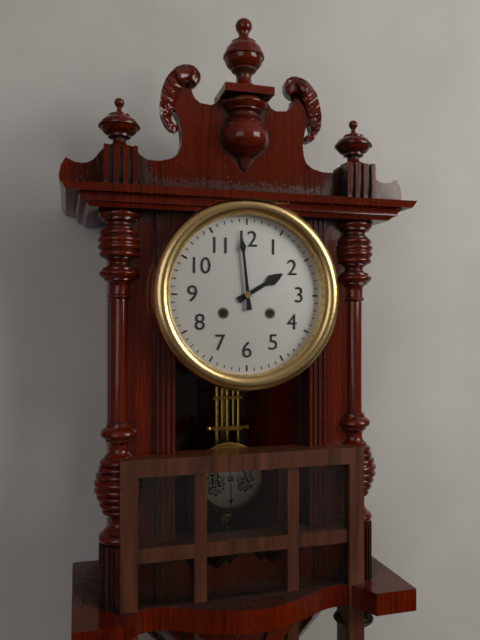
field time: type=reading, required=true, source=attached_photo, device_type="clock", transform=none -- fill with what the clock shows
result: 1:59
